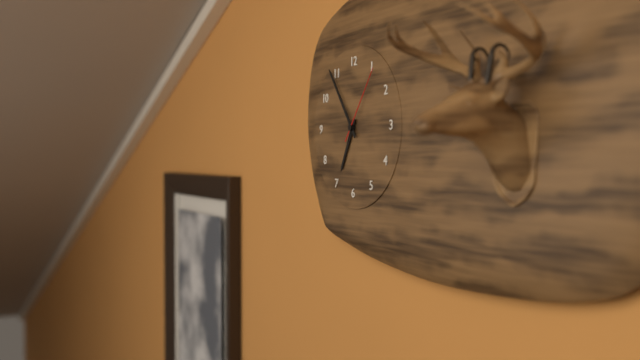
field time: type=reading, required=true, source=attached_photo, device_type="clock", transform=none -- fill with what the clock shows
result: 6:54:06
